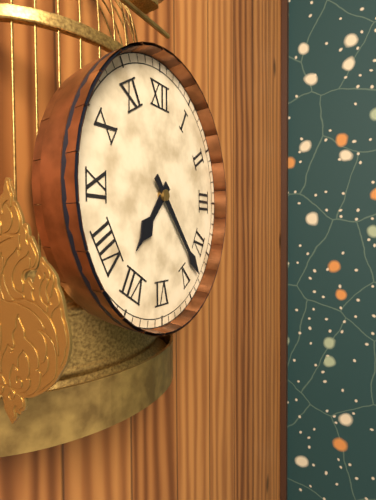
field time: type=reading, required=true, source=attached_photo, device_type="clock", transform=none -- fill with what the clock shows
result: 7:23
